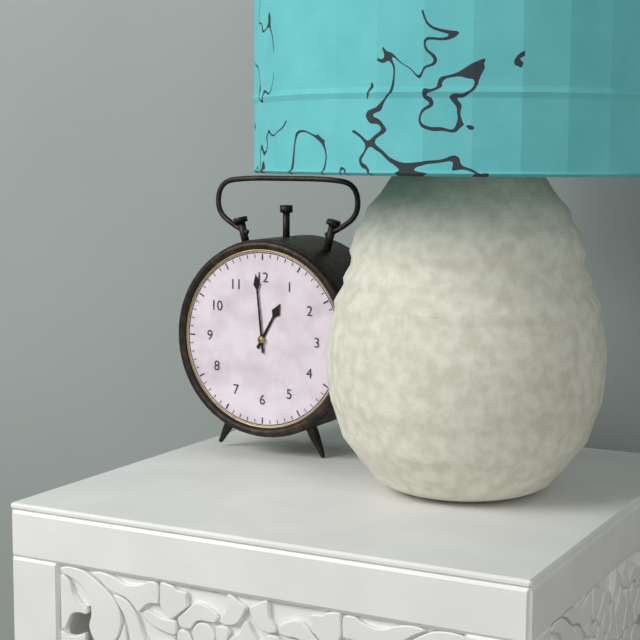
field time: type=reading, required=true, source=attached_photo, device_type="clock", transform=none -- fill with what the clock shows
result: 12:59
